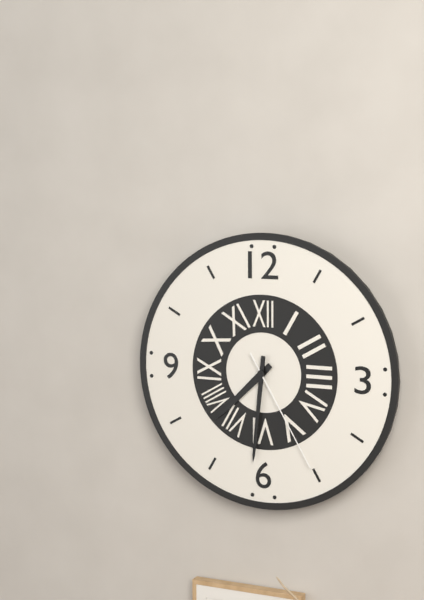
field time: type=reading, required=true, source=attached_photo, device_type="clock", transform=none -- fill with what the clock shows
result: 7:31:25
